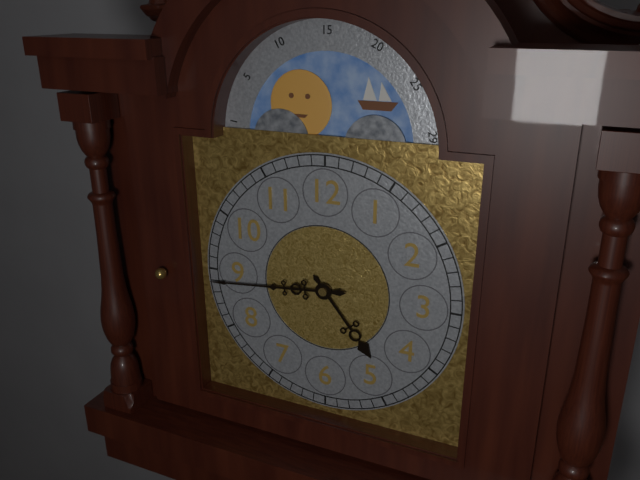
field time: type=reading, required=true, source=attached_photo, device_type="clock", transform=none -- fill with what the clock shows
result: 4:44
